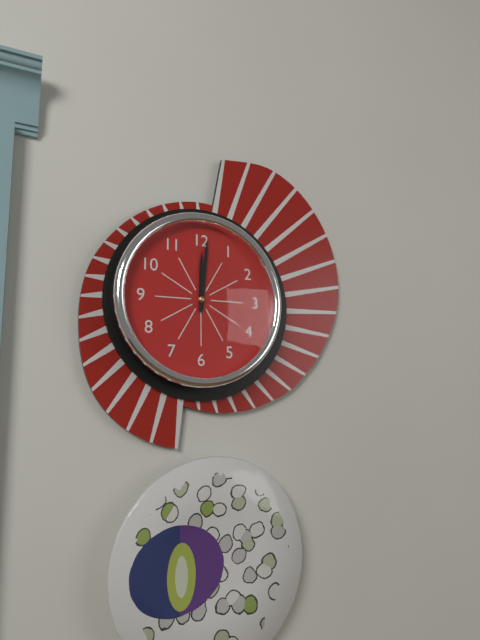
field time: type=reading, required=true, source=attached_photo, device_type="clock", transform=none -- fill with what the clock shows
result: 12:01
